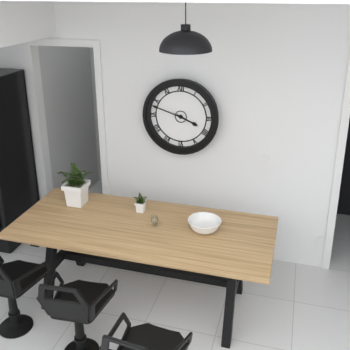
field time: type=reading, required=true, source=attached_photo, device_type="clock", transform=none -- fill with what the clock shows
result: 3:48
